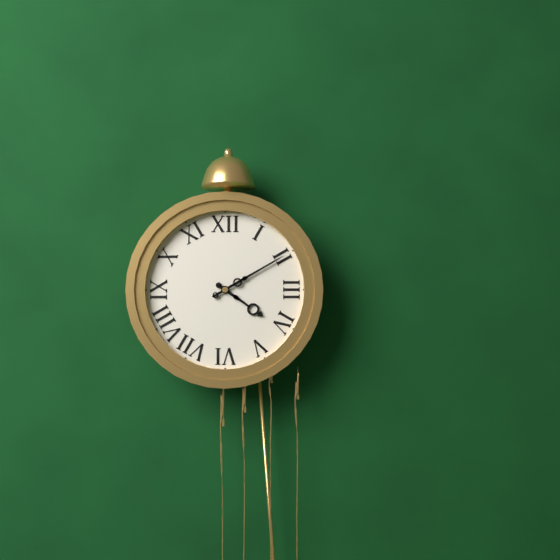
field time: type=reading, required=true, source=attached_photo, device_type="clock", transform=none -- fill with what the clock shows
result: 4:10
